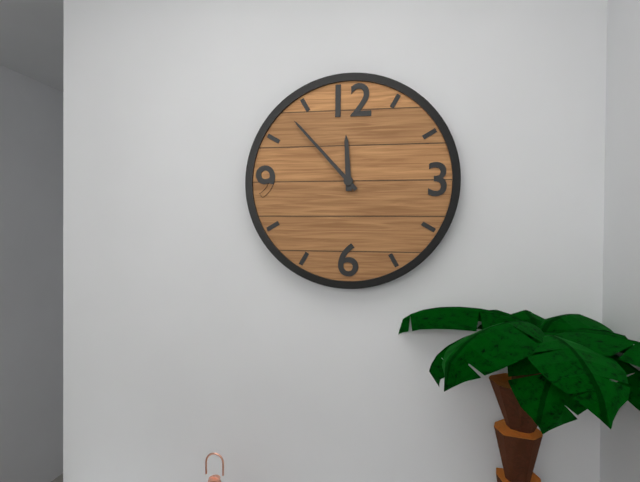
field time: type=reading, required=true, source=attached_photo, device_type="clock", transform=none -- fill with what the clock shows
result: 11:53
